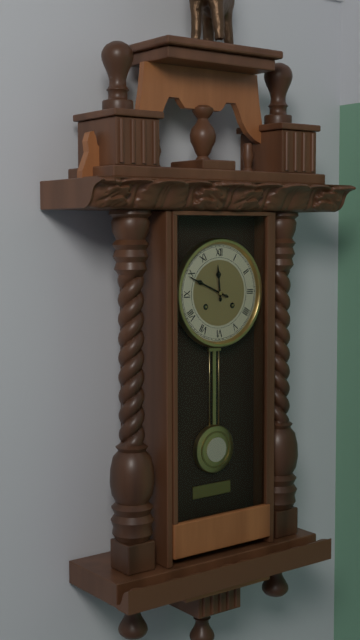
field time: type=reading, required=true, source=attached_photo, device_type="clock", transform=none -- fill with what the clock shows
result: 11:49
